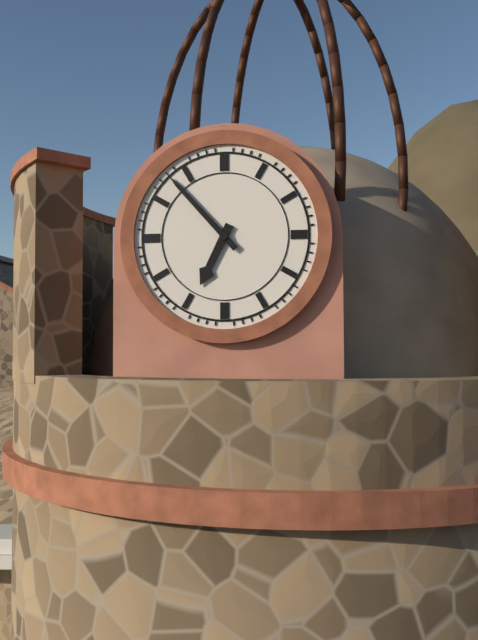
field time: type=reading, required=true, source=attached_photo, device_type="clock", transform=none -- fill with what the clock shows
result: 6:53
